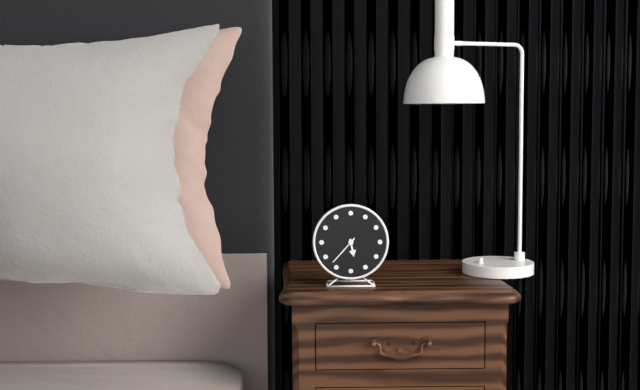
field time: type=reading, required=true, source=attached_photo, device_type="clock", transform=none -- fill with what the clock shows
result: 5:37
